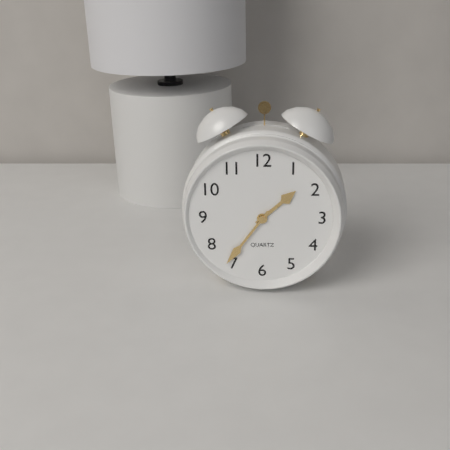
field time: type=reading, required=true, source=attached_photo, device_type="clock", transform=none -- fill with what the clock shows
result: 1:36
